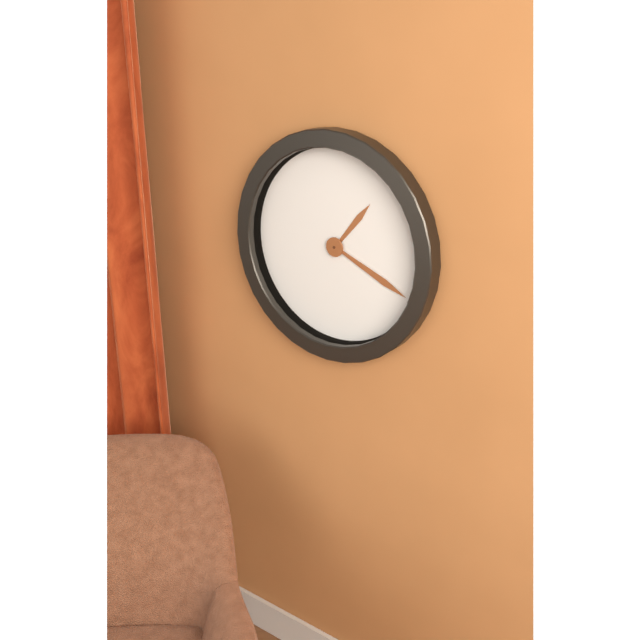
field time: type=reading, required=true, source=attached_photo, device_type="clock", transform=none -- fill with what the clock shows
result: 1:19
